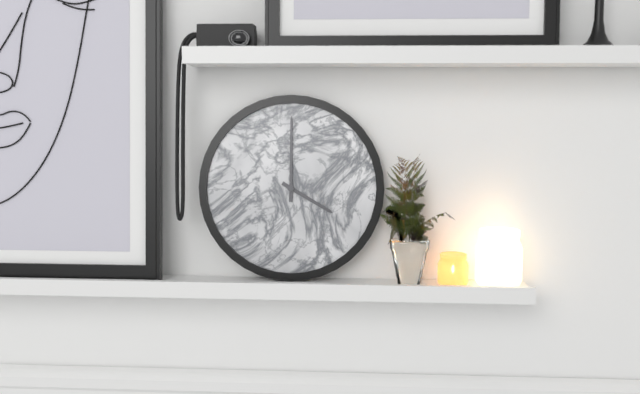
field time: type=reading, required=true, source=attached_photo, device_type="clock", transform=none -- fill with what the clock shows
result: 4:00
